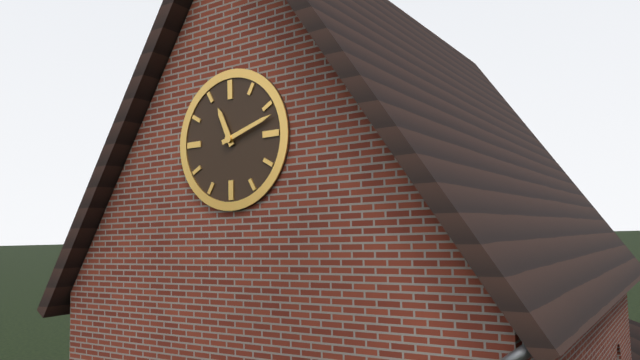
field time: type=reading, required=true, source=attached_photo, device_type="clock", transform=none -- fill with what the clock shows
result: 11:12
